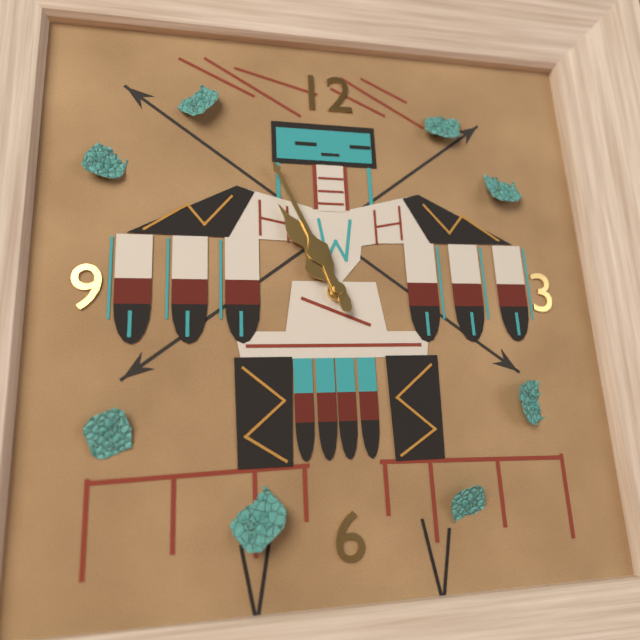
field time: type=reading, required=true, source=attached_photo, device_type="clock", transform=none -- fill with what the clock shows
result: 10:56
